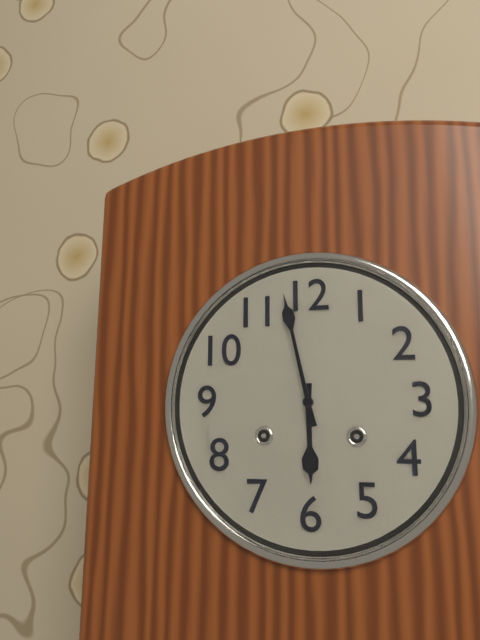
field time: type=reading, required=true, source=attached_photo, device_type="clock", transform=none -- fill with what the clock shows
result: 5:58
